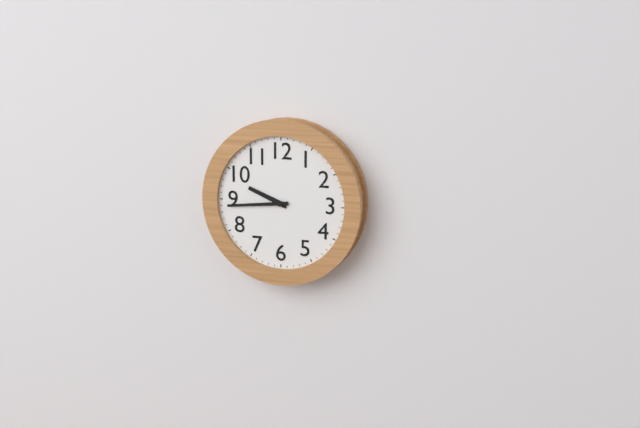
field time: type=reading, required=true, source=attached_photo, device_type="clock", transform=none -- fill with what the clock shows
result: 9:44
